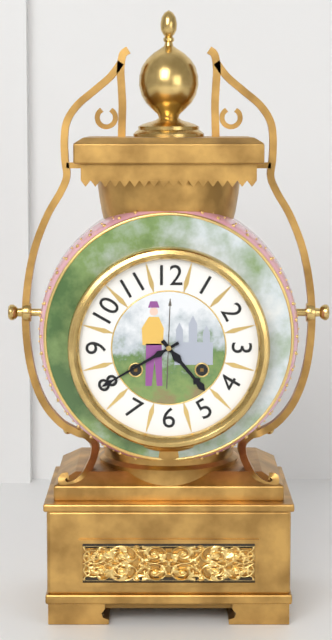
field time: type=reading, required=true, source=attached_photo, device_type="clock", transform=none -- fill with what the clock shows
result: 4:40
